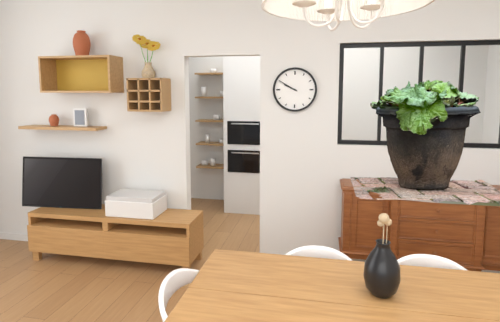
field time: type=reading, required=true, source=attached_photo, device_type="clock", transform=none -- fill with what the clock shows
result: 9:50
